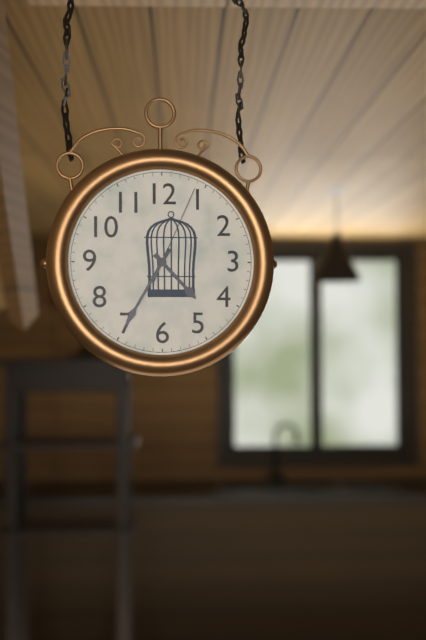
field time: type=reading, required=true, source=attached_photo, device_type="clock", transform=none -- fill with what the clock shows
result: 4:35:04
